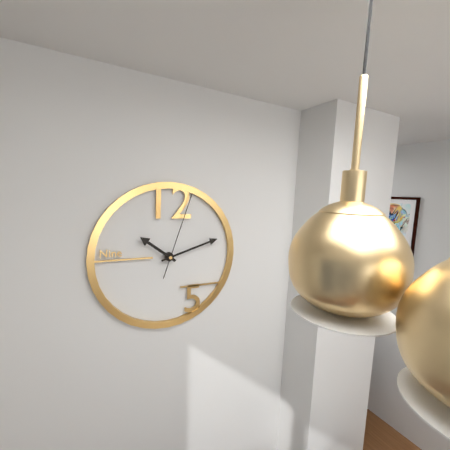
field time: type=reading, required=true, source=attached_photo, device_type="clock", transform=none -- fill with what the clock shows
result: 10:12:03
